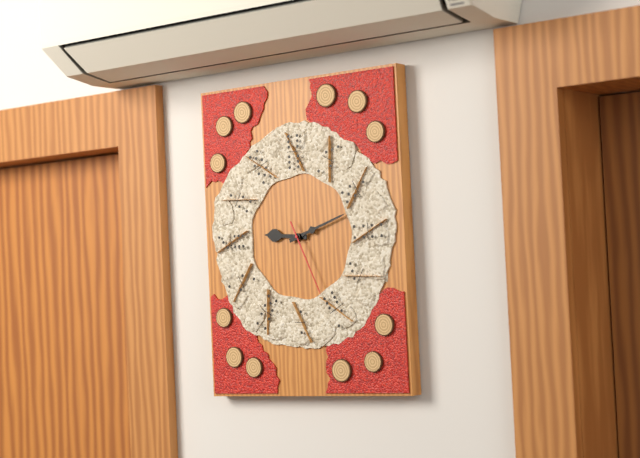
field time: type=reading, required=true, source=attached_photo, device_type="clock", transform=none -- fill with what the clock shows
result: 9:12:26
